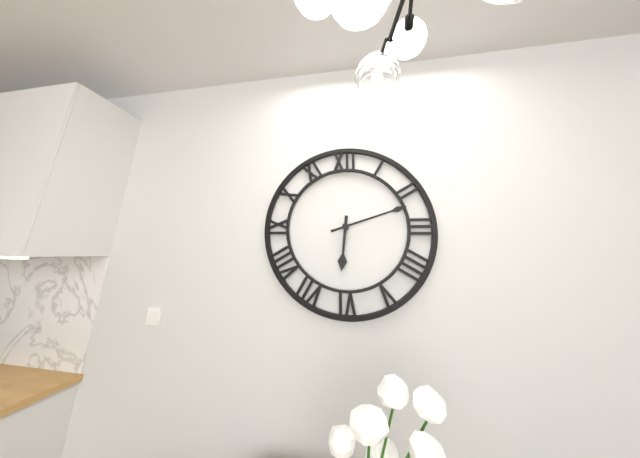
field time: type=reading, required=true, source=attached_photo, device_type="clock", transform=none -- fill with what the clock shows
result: 6:12
